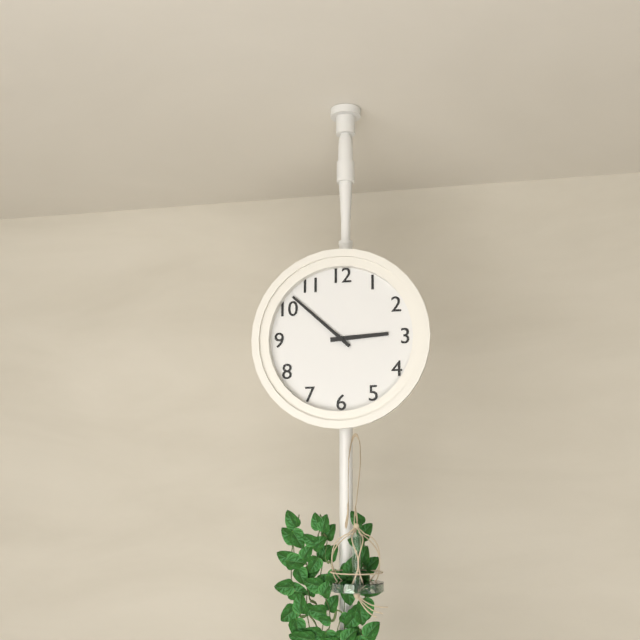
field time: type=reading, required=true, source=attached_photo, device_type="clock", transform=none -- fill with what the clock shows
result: 2:52
